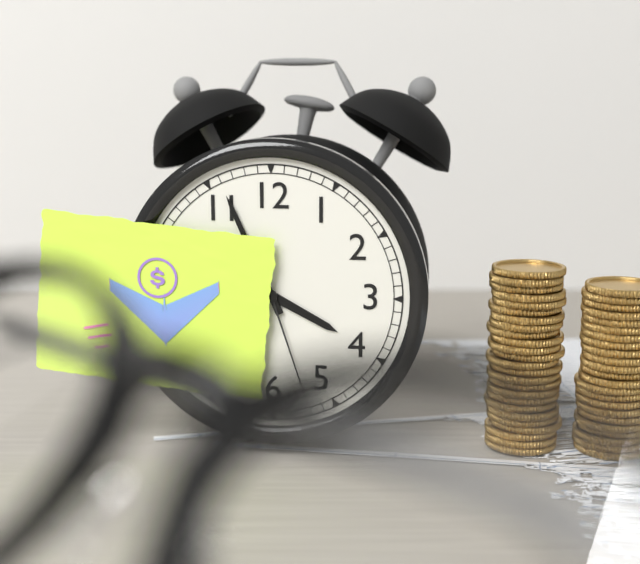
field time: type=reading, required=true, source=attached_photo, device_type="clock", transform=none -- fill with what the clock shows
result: 3:56
